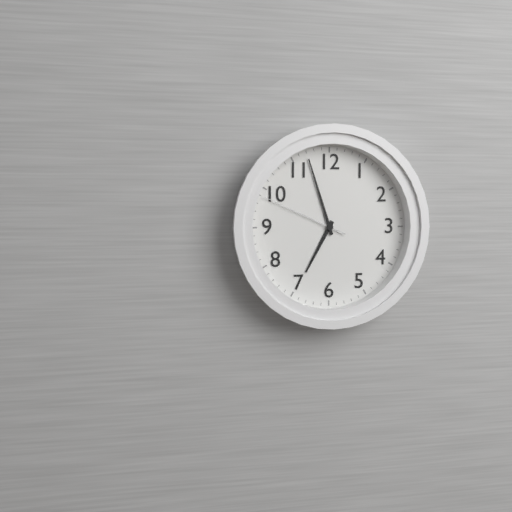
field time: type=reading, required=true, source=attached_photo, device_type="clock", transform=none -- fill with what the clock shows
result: 6:57:49
